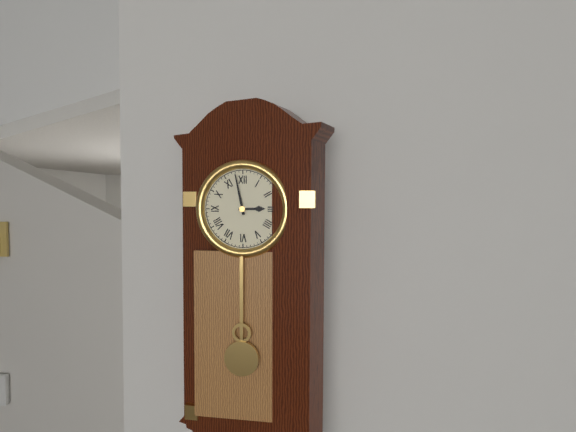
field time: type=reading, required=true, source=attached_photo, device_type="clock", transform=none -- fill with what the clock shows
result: 2:58
